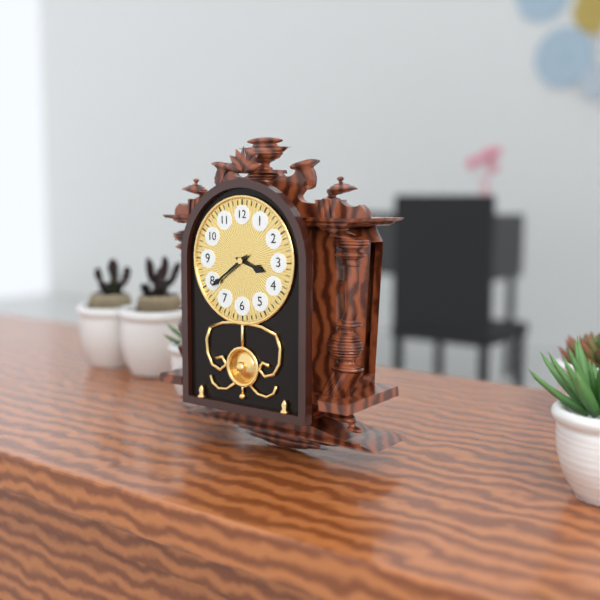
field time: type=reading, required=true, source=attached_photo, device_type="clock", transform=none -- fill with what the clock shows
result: 3:39
